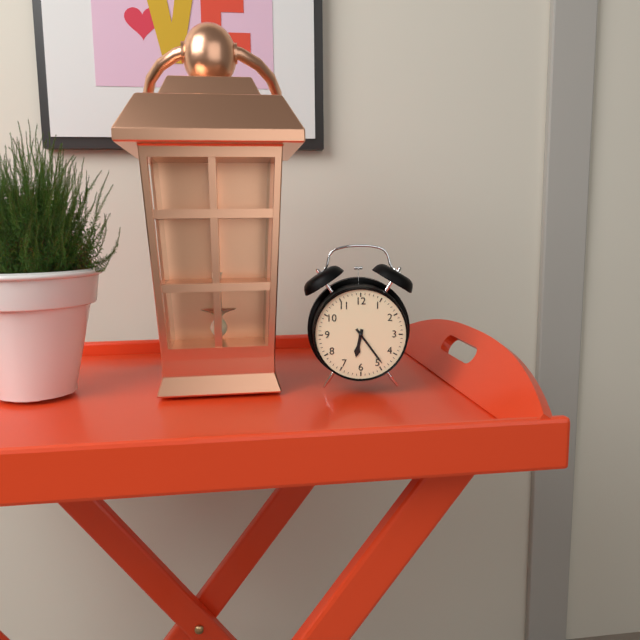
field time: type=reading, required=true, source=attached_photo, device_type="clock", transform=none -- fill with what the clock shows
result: 6:24
